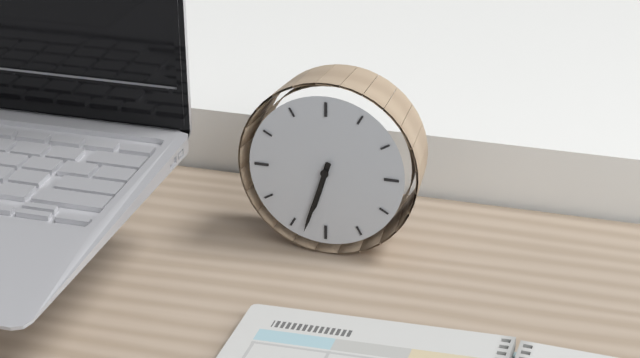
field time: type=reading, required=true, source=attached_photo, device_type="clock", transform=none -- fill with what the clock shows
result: 6:33
